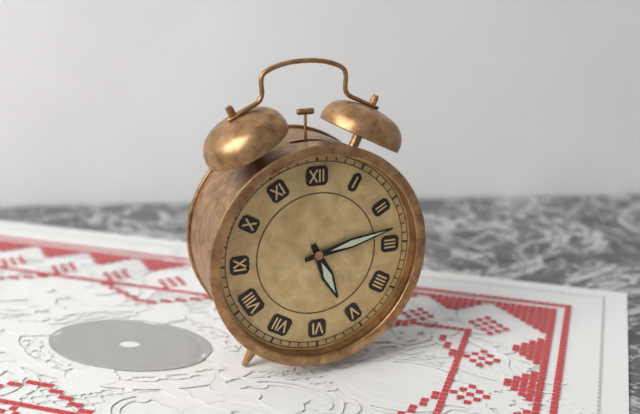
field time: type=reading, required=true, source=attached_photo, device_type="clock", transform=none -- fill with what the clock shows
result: 5:13
